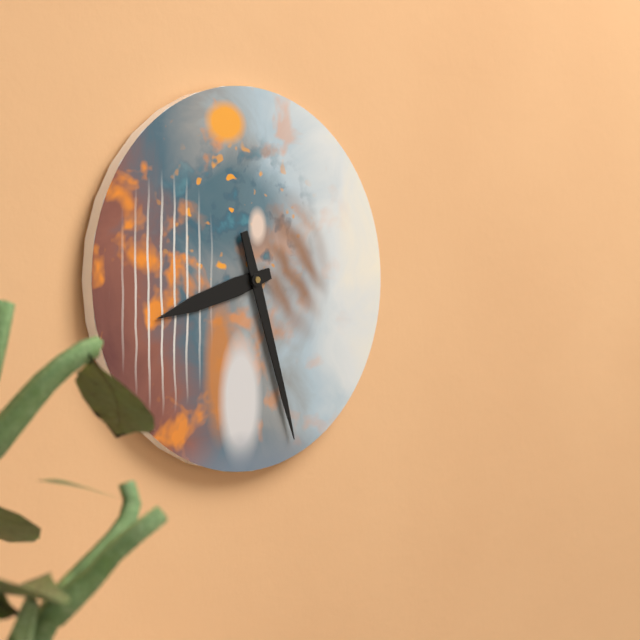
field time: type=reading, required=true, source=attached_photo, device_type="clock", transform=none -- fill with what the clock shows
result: 8:27
